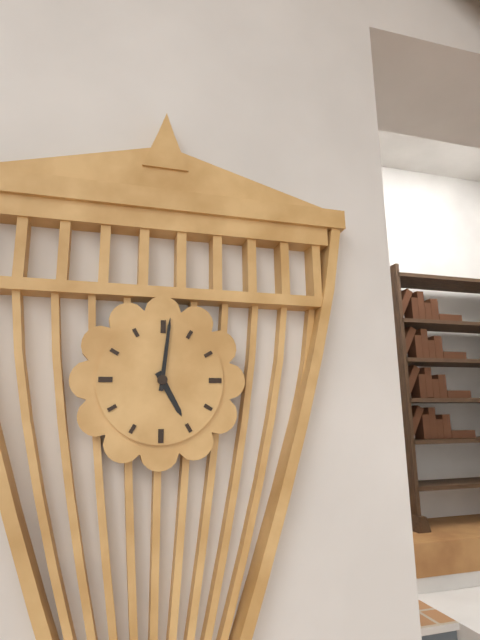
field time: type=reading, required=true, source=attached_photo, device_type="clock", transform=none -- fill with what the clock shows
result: 5:01
